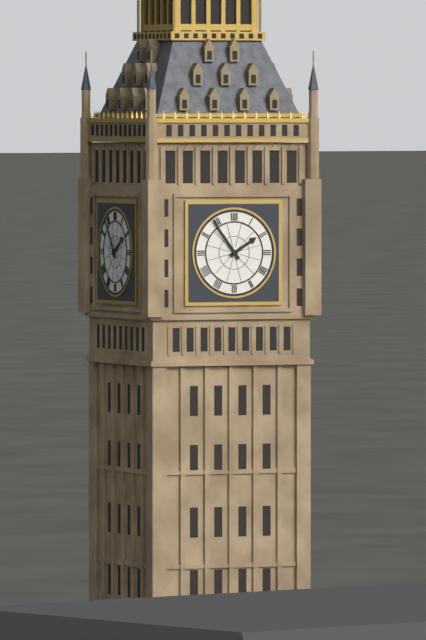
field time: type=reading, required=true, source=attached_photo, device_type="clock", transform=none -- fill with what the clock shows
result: 1:54
